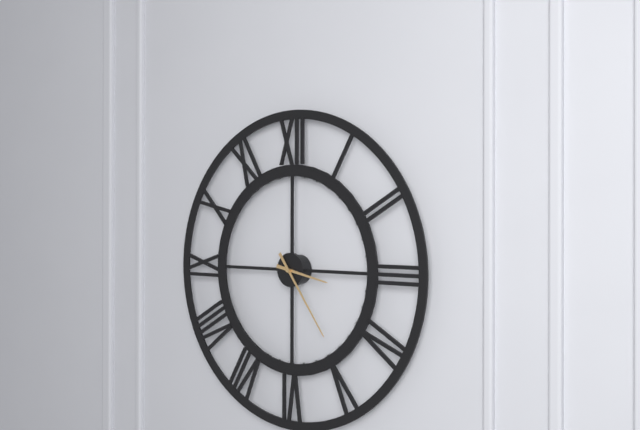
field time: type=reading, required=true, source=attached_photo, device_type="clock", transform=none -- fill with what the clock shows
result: 3:24
